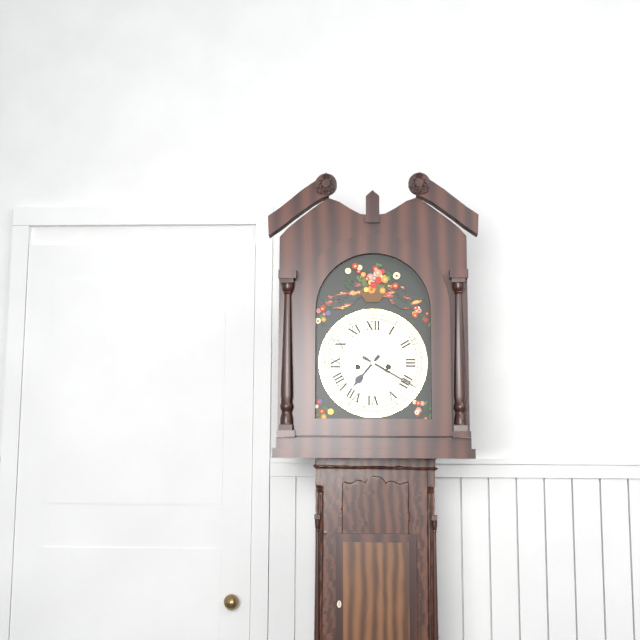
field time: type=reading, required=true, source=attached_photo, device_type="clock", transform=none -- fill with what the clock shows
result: 7:20
